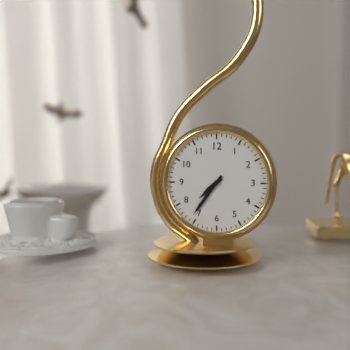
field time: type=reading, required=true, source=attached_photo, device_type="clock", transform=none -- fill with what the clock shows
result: 7:36
